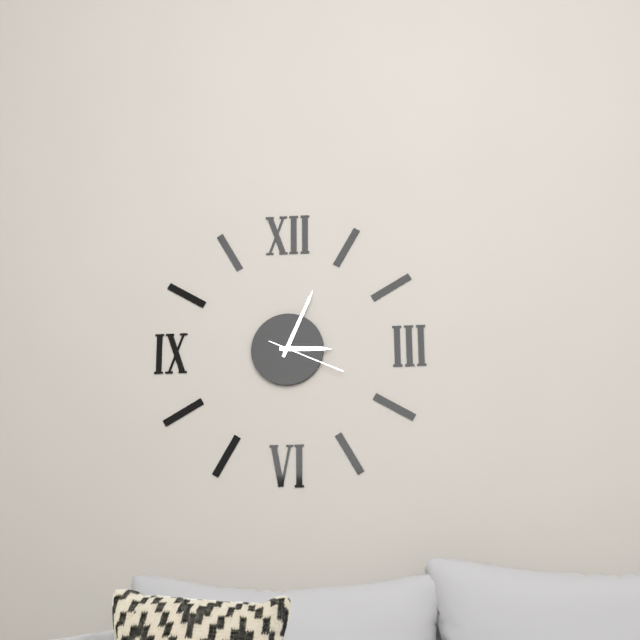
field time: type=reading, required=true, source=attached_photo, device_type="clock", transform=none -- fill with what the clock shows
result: 3:04:19
